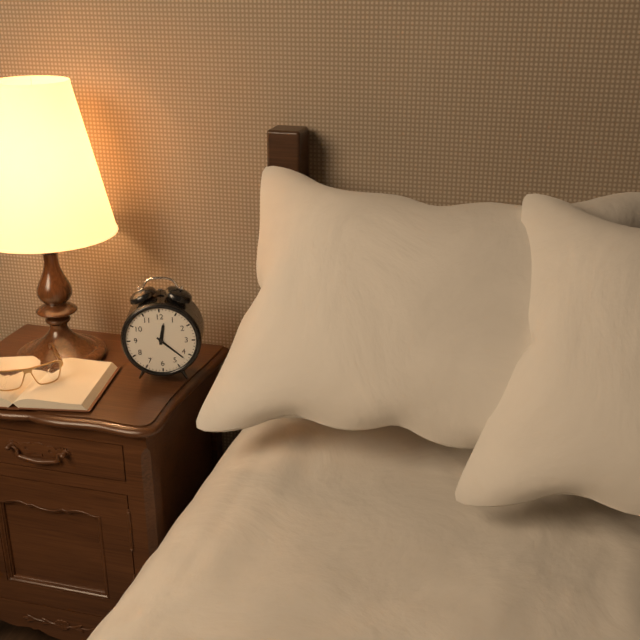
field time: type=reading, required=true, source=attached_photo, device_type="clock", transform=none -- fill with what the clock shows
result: 12:22
